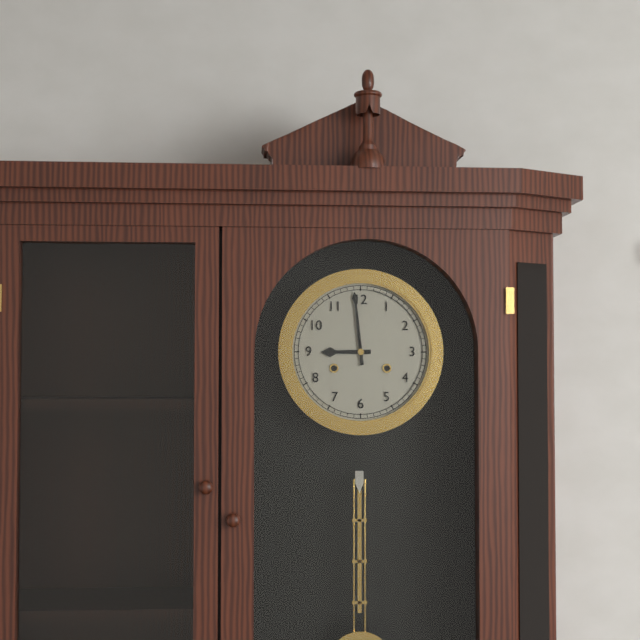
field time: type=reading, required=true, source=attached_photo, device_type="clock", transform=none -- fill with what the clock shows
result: 8:59
